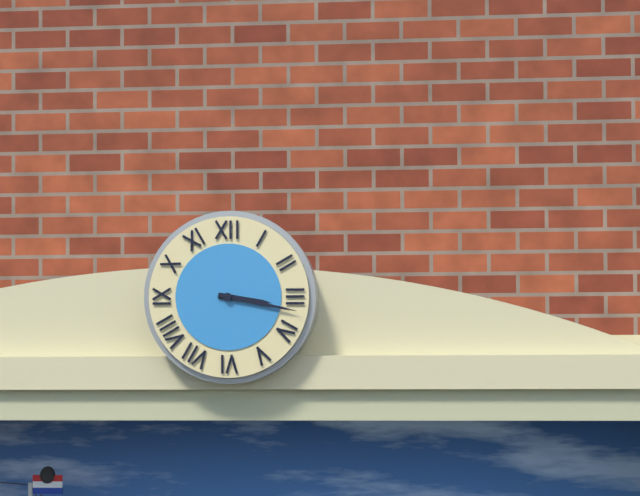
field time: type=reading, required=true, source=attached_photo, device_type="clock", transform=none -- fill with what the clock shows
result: 3:17
